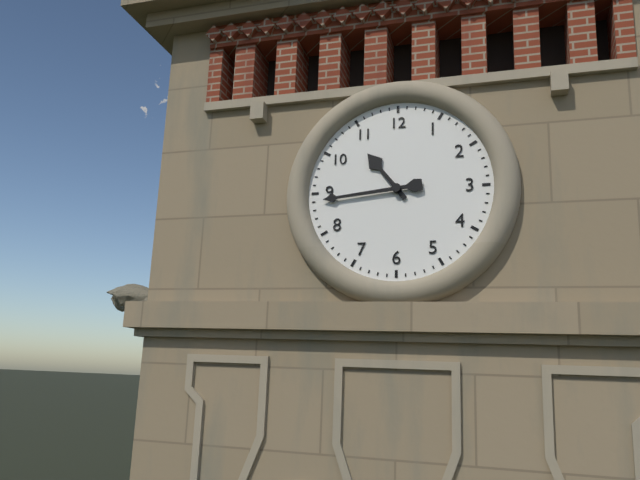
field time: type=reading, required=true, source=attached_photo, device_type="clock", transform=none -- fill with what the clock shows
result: 10:44
